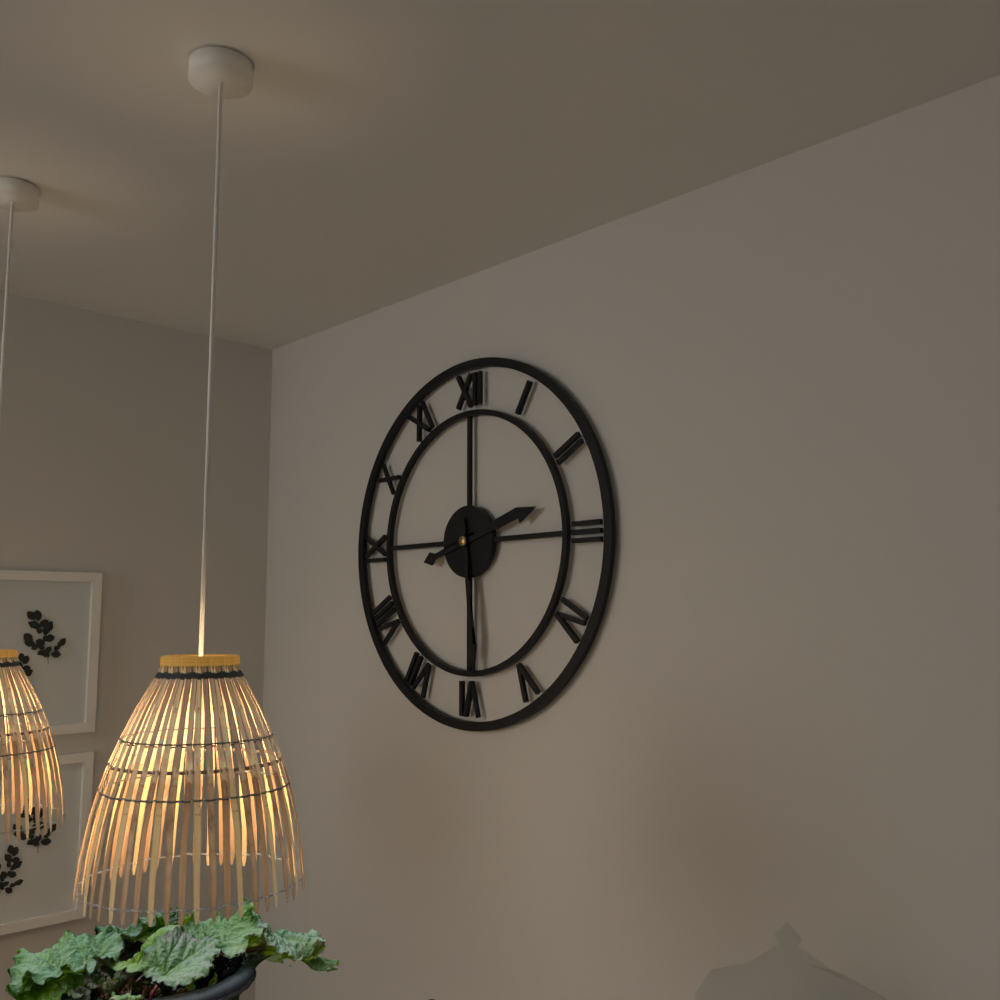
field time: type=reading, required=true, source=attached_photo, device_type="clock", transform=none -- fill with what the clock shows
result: 2:29
